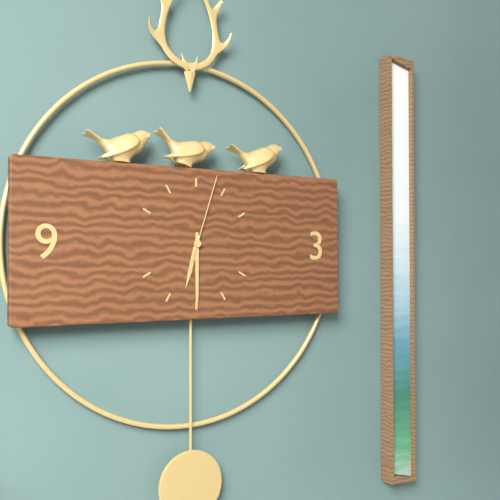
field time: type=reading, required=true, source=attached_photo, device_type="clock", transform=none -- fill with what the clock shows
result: 6:30:03
